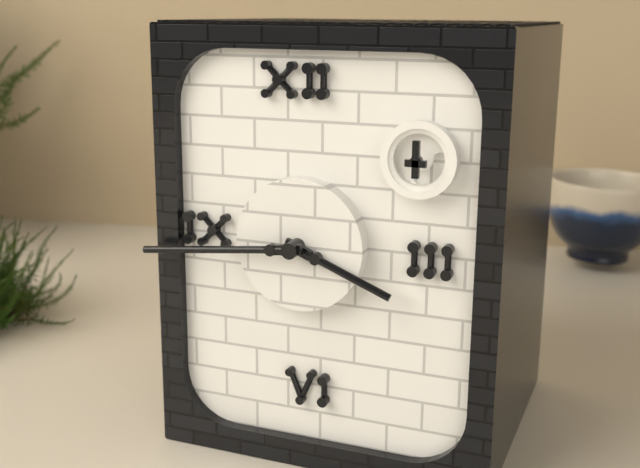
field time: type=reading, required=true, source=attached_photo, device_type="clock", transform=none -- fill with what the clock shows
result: 3:44
